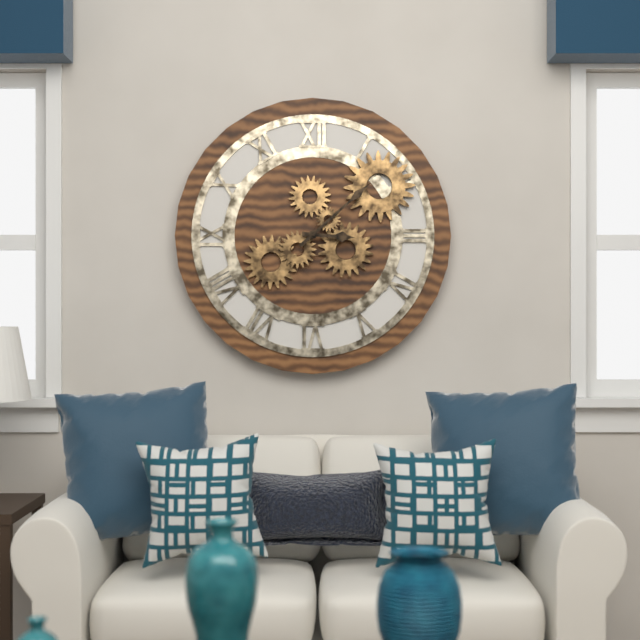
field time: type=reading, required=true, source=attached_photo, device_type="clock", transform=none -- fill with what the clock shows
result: 3:08
